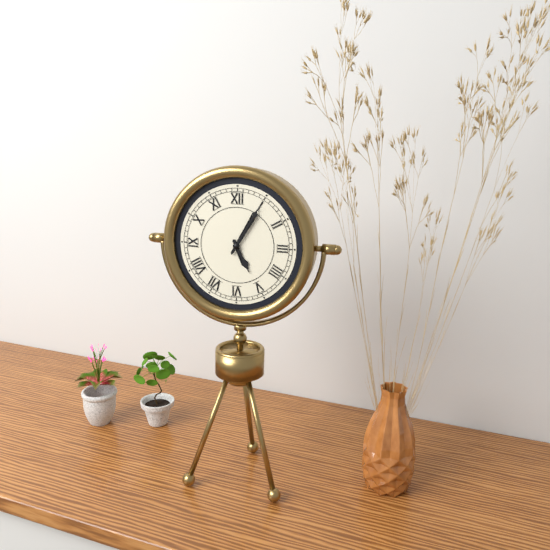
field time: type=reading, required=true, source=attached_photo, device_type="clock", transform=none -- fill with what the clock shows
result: 5:05
